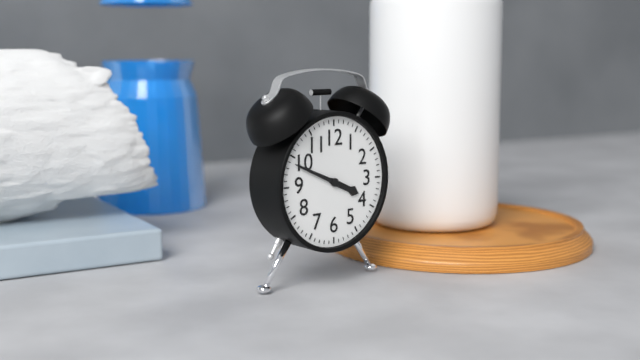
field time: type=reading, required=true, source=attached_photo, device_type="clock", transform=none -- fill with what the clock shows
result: 3:49
